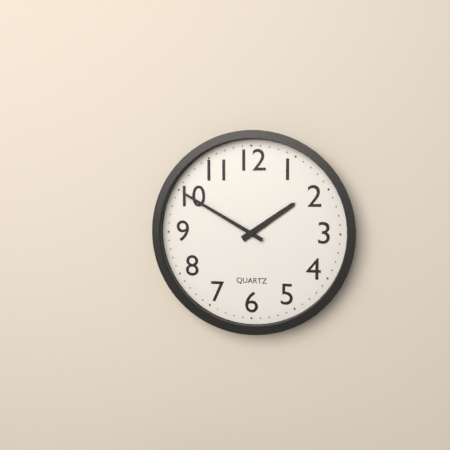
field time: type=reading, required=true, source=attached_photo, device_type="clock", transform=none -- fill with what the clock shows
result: 1:50
